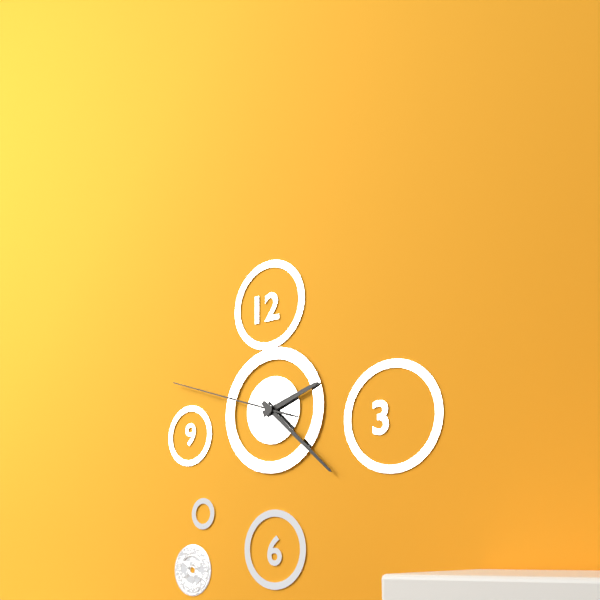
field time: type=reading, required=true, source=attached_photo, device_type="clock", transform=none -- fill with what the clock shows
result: 2:22:48
